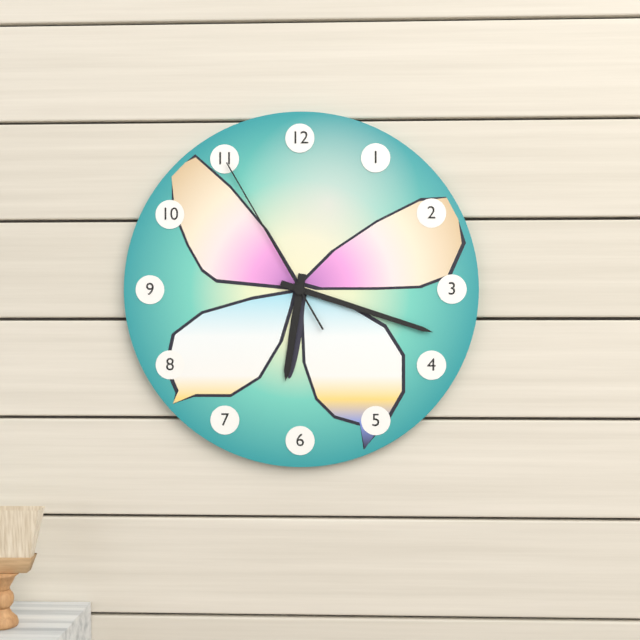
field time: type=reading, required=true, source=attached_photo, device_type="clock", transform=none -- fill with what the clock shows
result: 6:18:55
